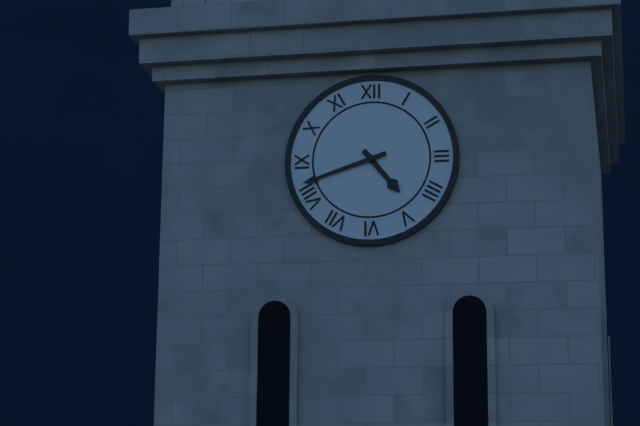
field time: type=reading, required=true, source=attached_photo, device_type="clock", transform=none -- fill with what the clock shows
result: 4:42
